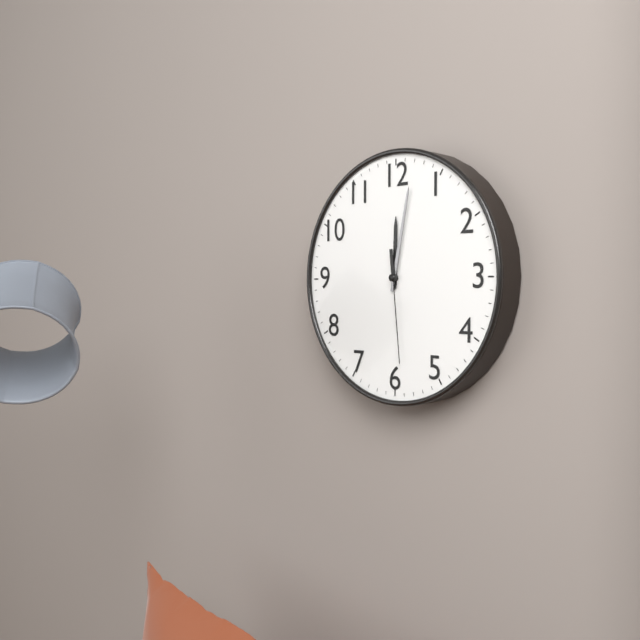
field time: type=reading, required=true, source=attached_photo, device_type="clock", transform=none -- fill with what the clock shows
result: 12:02:29
